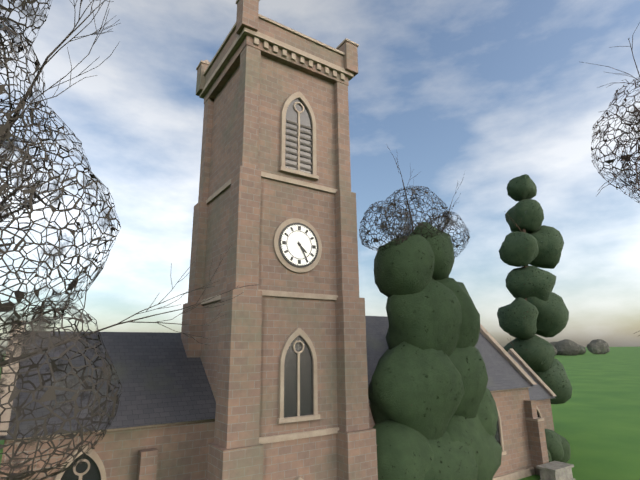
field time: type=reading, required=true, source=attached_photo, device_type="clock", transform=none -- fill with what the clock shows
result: 4:25
